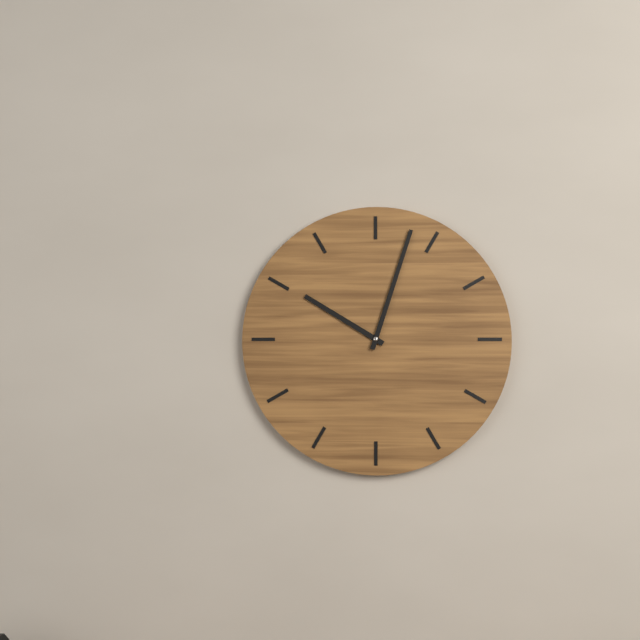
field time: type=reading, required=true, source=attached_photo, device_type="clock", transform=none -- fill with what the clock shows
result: 10:03
